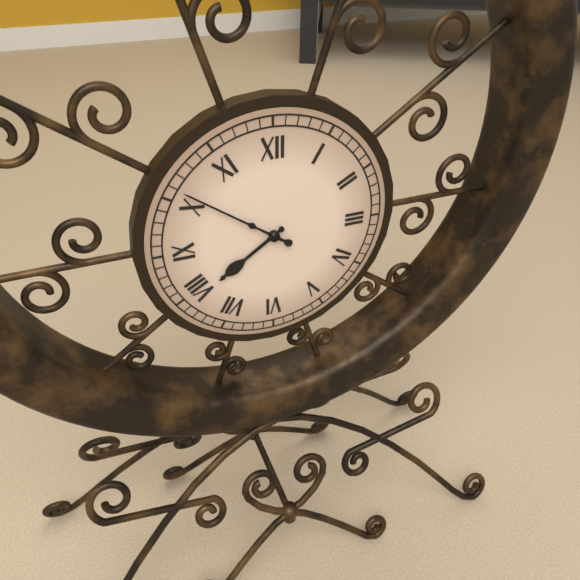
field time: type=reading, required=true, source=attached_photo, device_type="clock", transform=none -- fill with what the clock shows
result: 7:51
